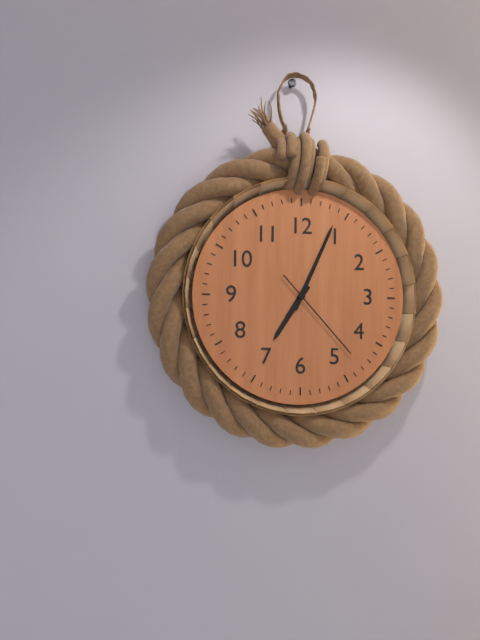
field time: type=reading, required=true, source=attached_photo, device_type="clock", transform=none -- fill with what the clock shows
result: 7:04:23
